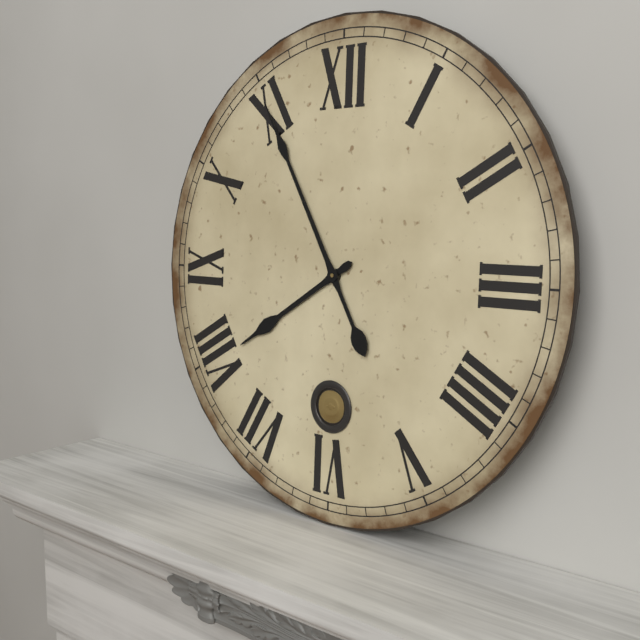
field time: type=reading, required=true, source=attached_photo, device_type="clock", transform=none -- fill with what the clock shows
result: 7:55
